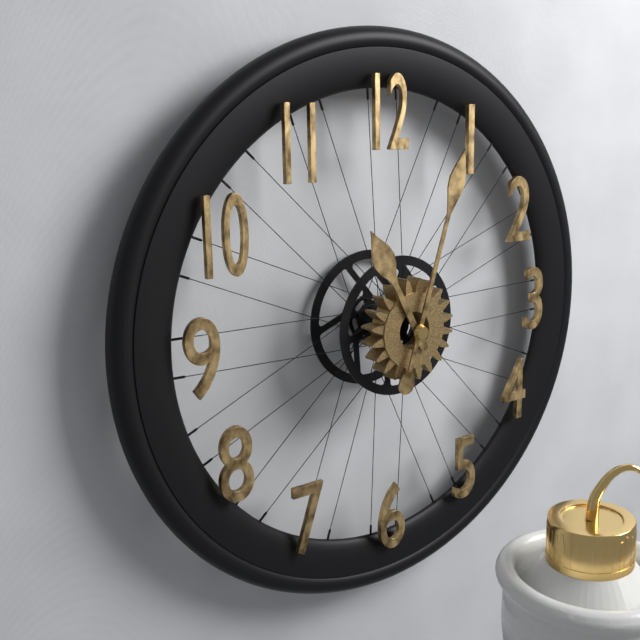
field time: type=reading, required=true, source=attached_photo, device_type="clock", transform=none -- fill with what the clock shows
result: 11:03
